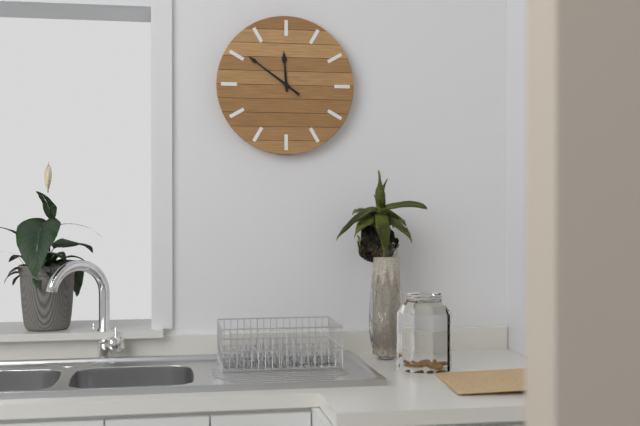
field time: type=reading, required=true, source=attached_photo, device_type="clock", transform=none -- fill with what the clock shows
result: 11:51
